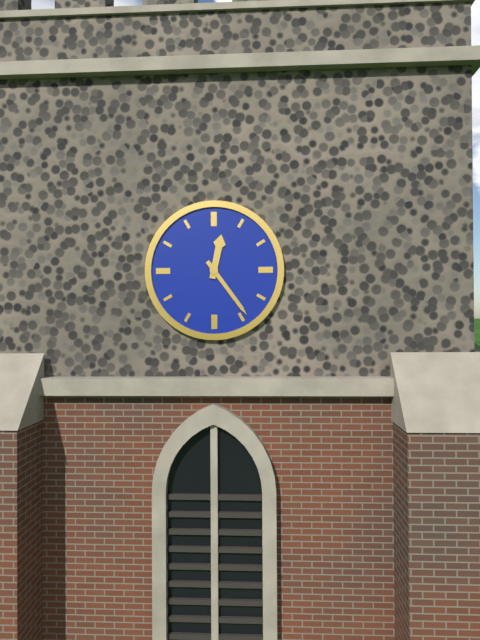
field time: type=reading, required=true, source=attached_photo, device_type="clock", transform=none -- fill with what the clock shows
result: 12:24
